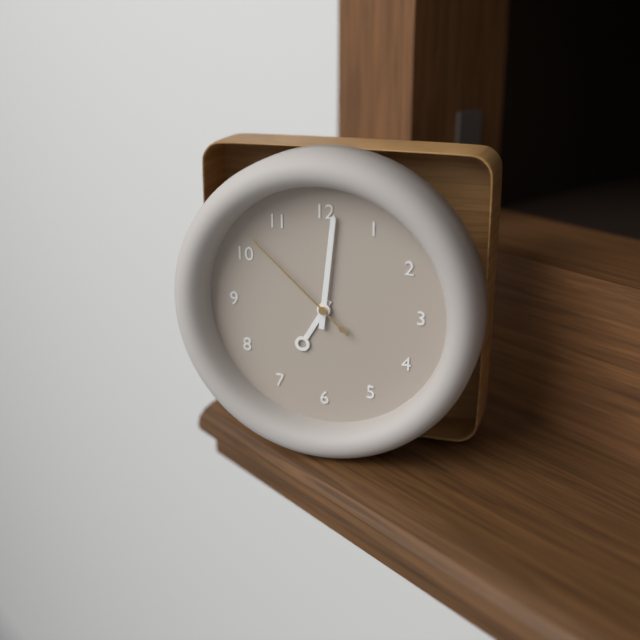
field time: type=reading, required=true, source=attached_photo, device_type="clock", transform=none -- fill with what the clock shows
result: 7:01:52
